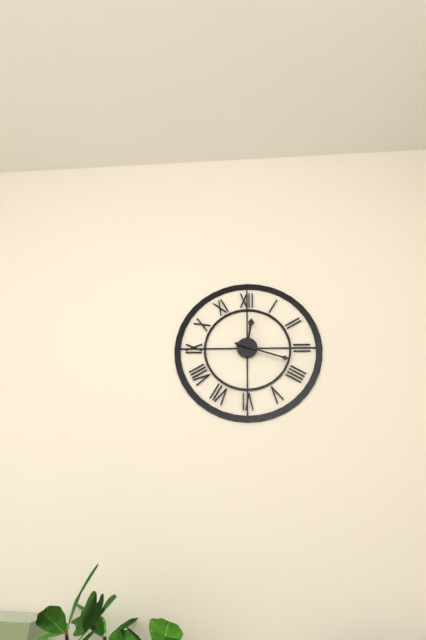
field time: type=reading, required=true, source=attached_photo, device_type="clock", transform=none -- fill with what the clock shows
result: 12:18
